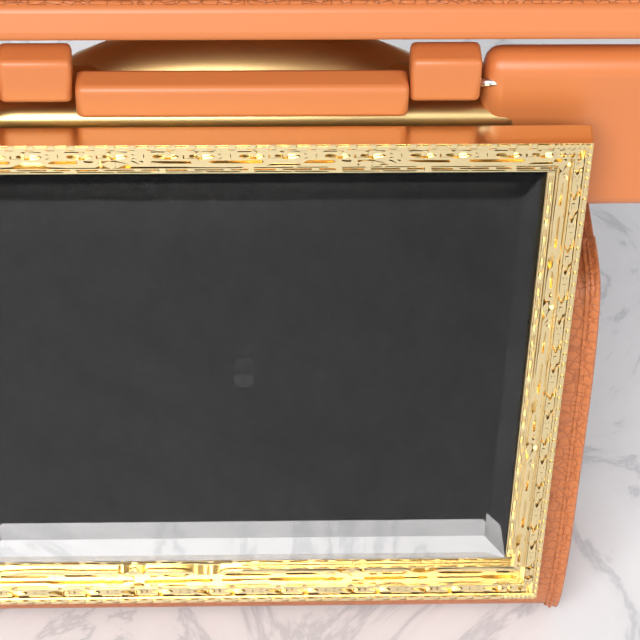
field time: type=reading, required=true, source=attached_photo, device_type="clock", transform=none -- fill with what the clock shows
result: 3:25
